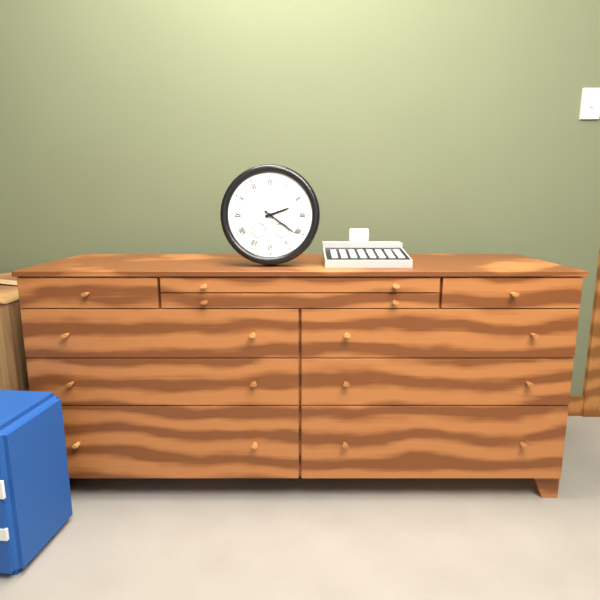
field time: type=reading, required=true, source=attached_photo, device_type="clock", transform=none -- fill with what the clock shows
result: 2:21
